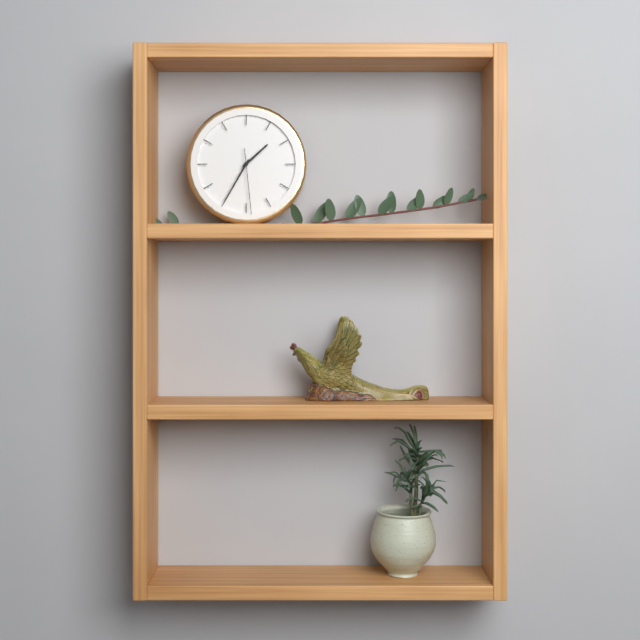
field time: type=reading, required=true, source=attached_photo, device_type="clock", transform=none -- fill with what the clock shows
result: 1:35:29
